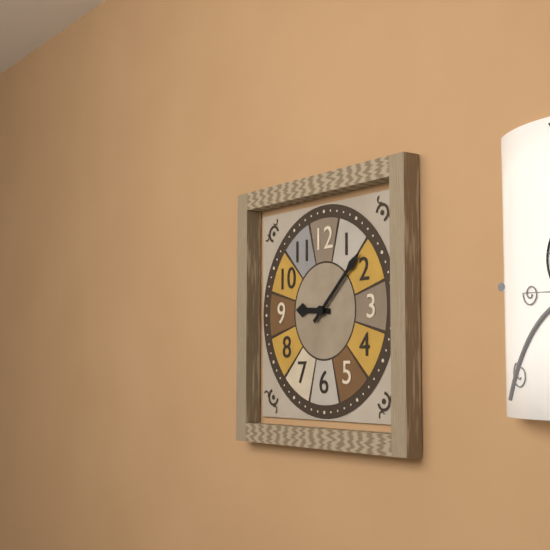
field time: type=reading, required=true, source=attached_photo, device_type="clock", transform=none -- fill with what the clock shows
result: 9:08
